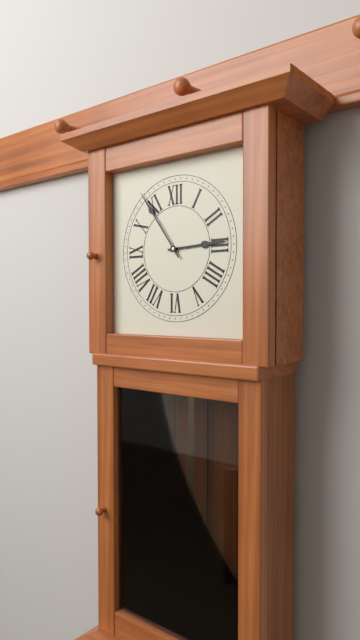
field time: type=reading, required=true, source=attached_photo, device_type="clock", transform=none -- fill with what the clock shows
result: 2:54
